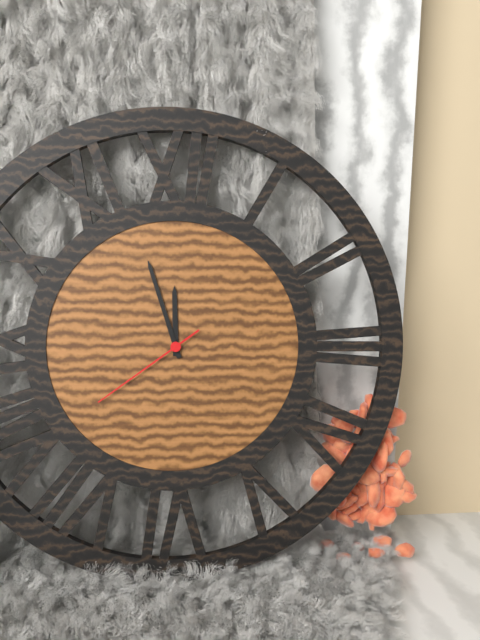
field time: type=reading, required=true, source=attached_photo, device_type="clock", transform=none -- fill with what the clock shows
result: 11:57:39
